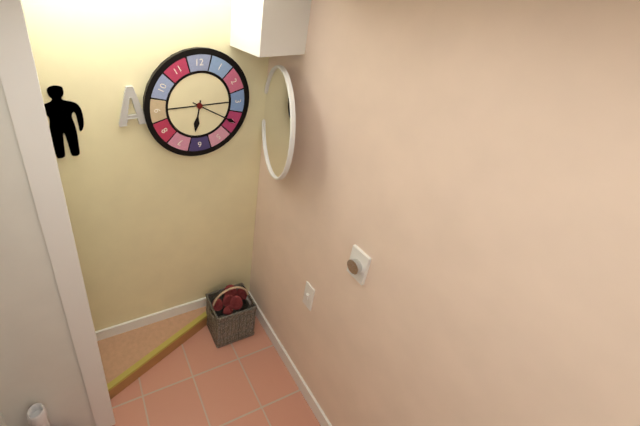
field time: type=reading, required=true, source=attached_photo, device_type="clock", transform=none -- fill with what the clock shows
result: 6:20
